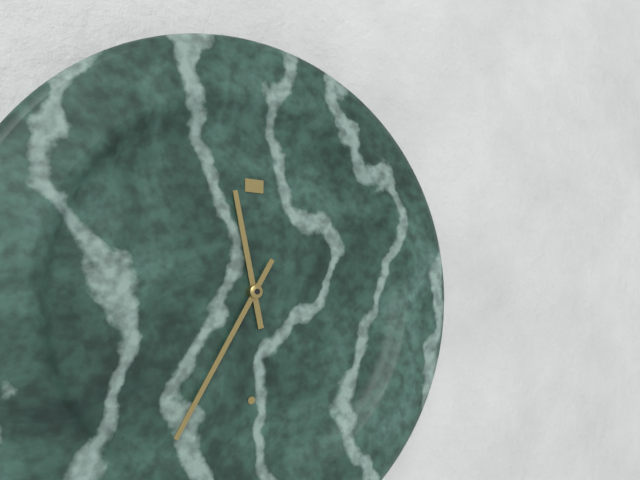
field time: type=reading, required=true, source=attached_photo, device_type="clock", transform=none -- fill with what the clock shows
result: 11:35
